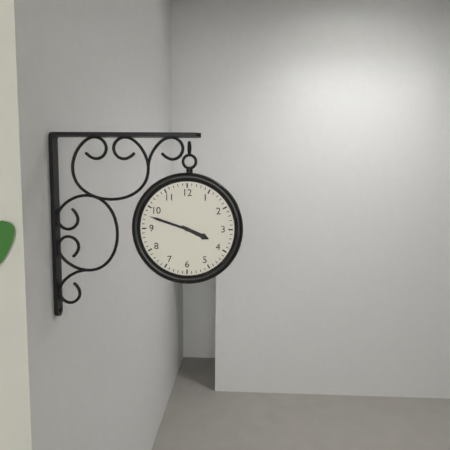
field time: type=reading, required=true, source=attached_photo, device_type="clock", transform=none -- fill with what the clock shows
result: 3:48
